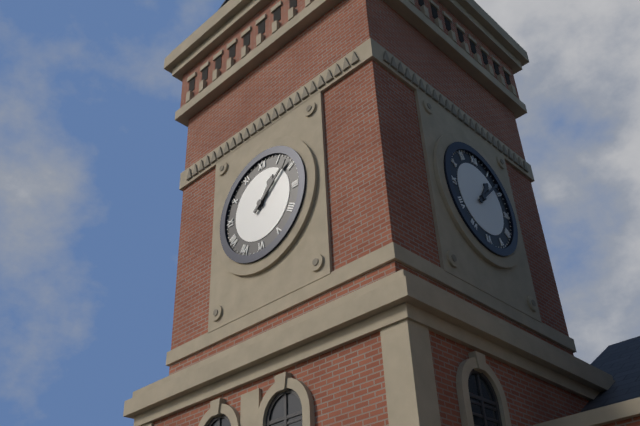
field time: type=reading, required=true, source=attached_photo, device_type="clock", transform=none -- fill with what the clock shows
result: 1:08
